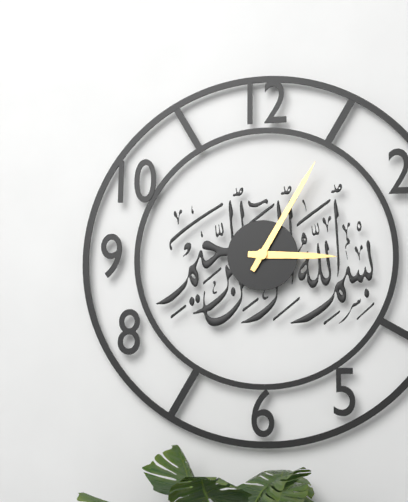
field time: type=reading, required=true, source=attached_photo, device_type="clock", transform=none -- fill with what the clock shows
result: 3:05
